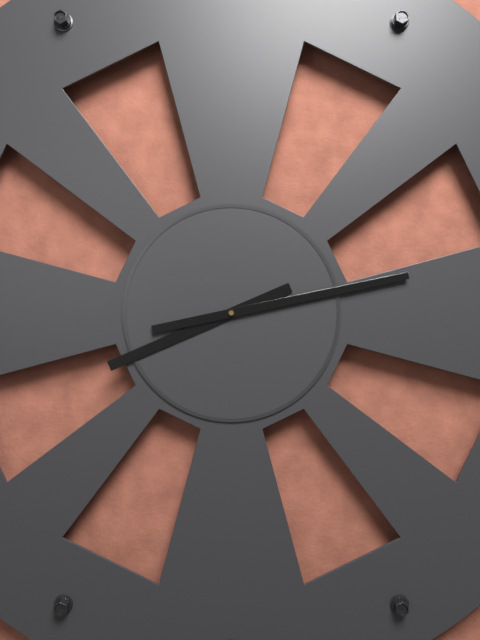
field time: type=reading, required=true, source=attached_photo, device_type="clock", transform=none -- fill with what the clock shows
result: 8:13
